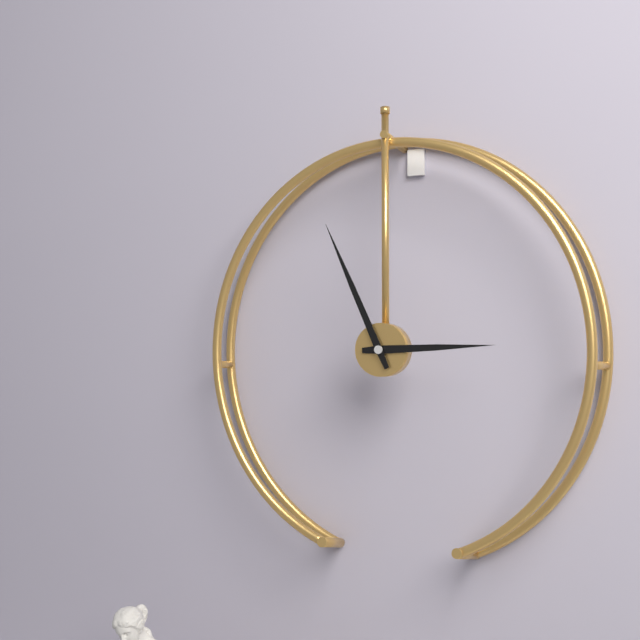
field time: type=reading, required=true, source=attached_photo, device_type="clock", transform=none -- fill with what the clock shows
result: 2:56
